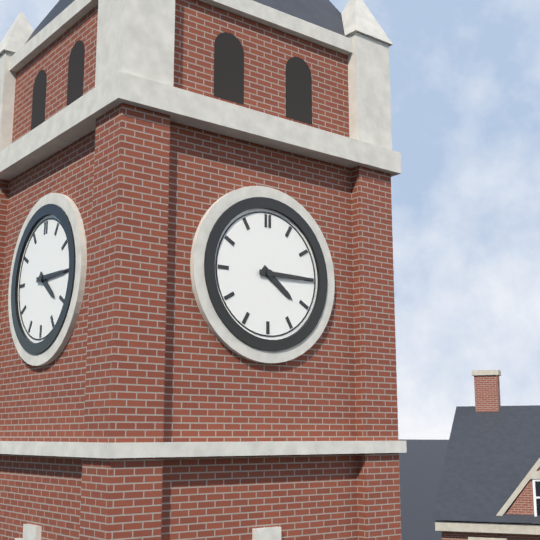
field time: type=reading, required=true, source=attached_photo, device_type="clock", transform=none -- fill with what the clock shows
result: 4:15
